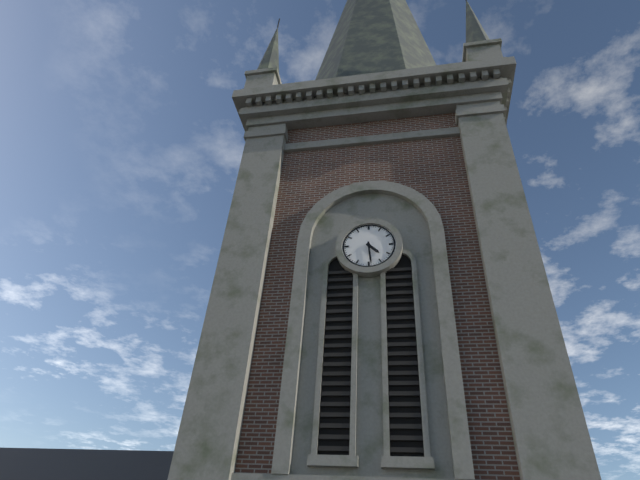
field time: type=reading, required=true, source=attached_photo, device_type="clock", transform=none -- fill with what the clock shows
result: 4:29
